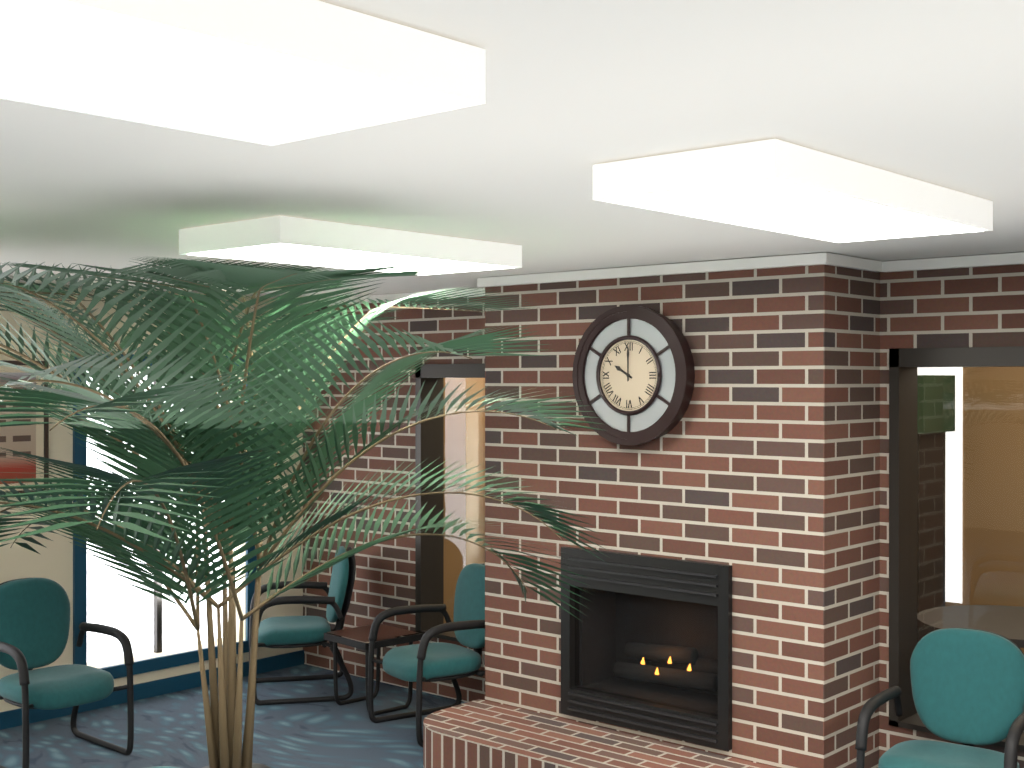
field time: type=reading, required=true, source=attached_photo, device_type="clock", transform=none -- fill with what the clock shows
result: 10:00
